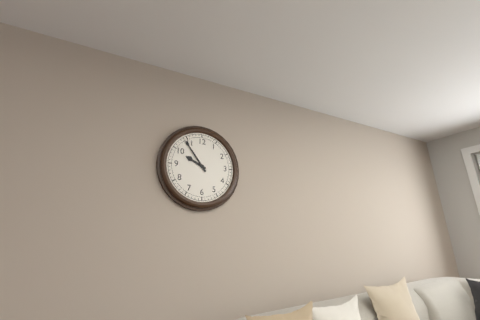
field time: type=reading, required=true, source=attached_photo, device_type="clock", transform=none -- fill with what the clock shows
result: 9:54
